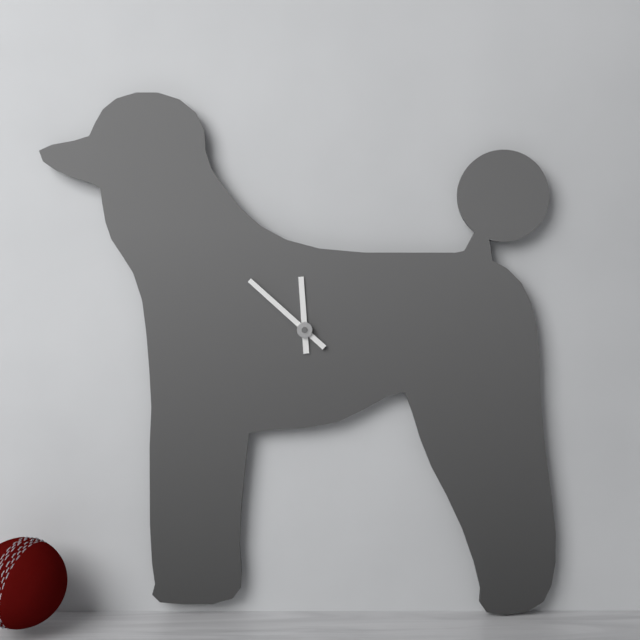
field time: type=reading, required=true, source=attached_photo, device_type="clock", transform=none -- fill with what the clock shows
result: 11:52
